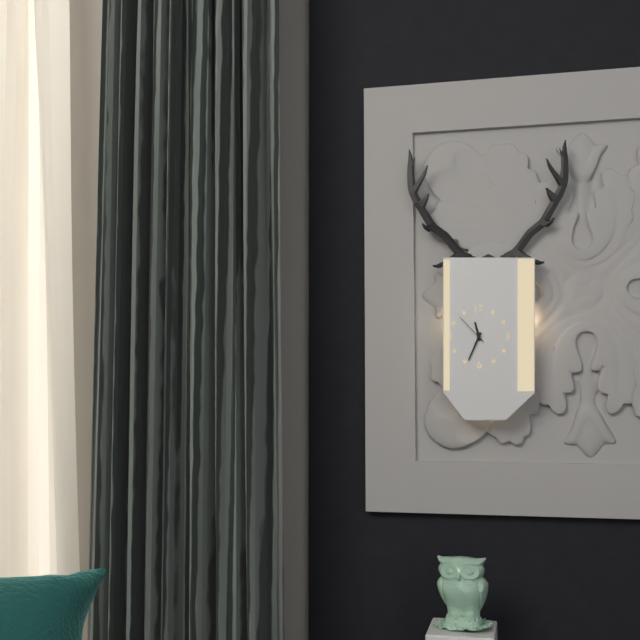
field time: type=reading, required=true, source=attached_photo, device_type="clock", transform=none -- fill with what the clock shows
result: 11:34
